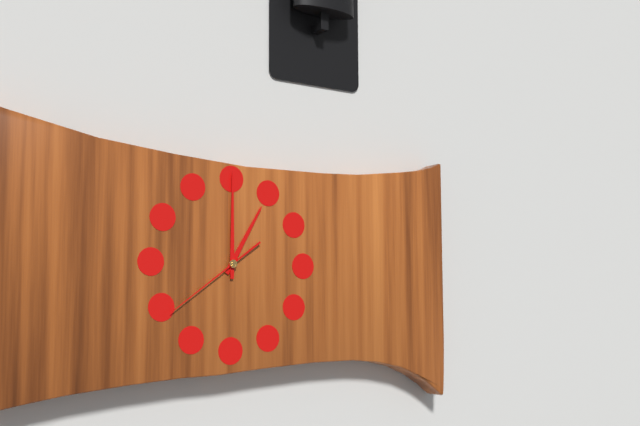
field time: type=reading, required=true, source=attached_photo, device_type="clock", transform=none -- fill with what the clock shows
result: 1:00:39
